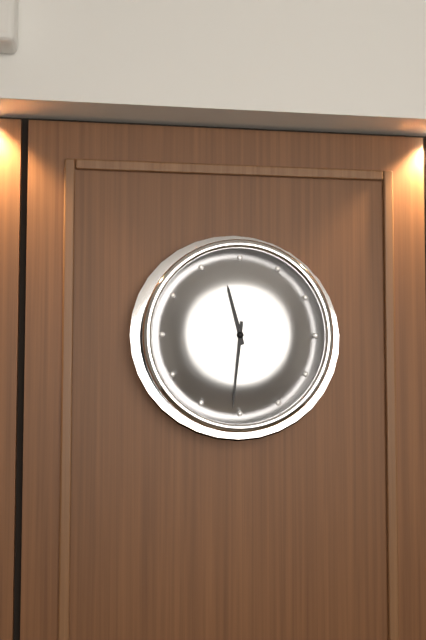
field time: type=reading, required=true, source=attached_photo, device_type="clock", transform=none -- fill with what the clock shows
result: 11:31
